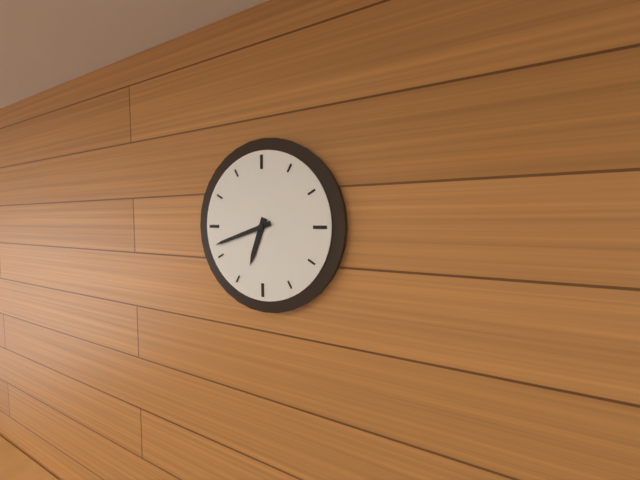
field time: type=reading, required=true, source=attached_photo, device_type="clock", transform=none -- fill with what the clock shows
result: 6:42
